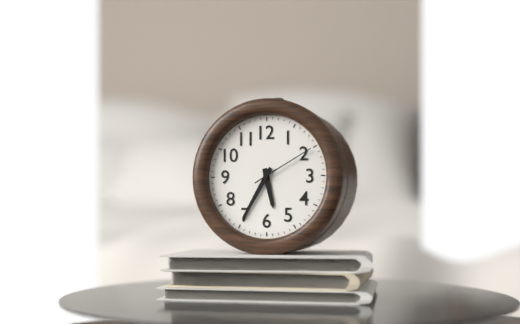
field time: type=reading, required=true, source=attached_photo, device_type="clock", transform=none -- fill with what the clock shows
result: 5:35:10
